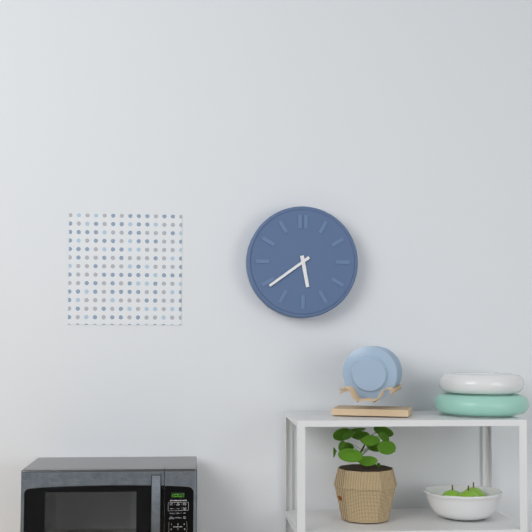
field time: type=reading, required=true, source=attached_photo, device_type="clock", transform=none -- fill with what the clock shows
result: 5:39
